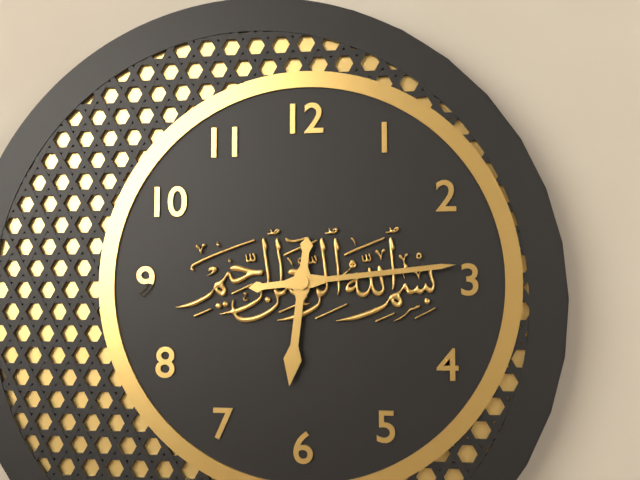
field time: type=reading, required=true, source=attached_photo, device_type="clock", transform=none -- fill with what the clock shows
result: 6:14
